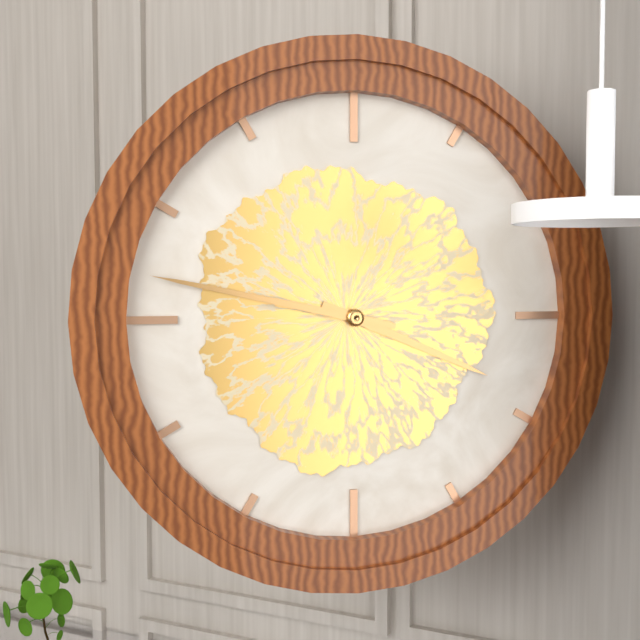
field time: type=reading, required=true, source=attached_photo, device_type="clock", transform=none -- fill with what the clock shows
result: 3:47
